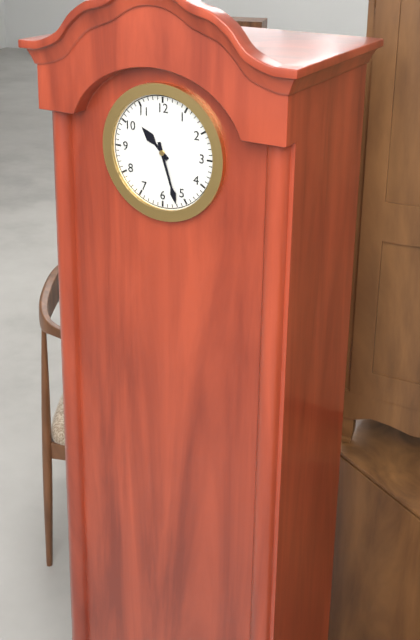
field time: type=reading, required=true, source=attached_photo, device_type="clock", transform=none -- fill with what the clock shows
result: 10:27
